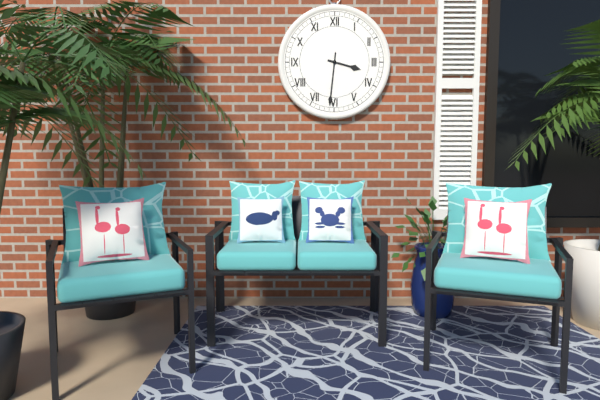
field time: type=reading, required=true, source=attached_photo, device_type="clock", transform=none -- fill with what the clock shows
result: 3:31
